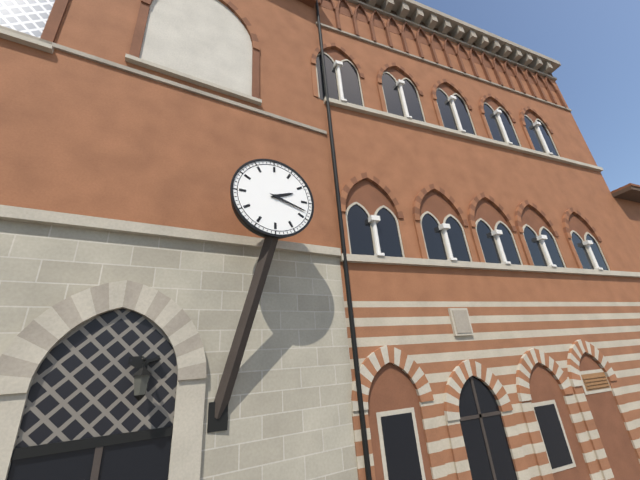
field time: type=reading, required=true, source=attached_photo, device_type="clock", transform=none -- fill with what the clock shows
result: 2:18
